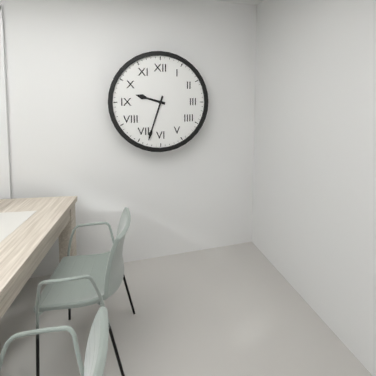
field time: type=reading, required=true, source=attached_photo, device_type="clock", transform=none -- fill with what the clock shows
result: 9:33
